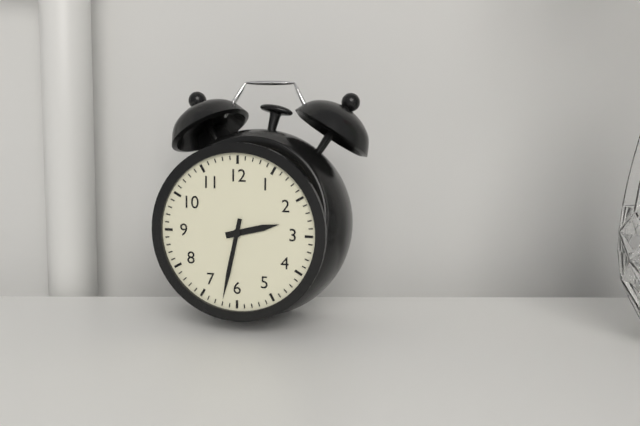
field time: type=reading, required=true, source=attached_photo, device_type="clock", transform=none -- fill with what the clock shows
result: 2:32
